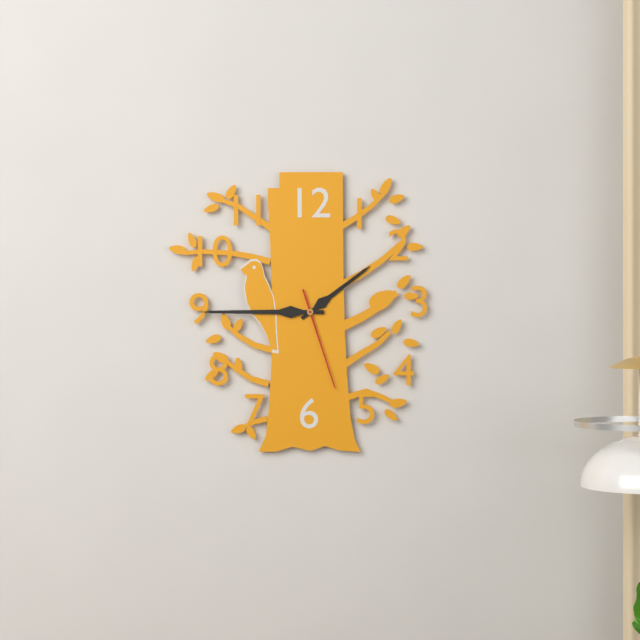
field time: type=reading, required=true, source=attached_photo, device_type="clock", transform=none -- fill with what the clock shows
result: 1:45:27
